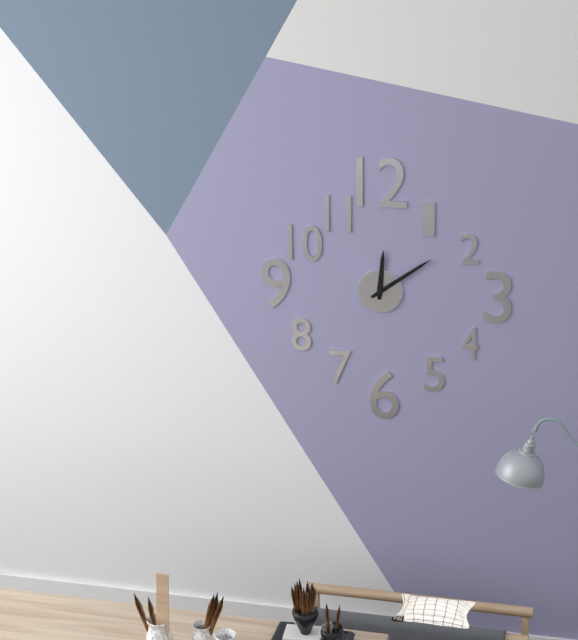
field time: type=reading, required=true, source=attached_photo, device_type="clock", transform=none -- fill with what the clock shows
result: 12:09
